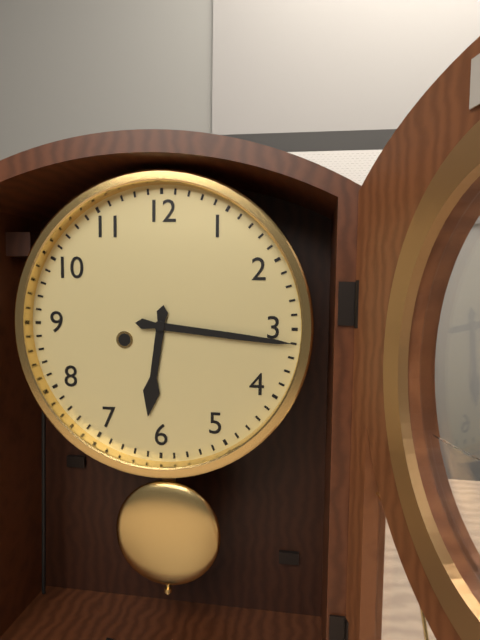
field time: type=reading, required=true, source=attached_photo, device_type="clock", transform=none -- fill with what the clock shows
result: 6:16
